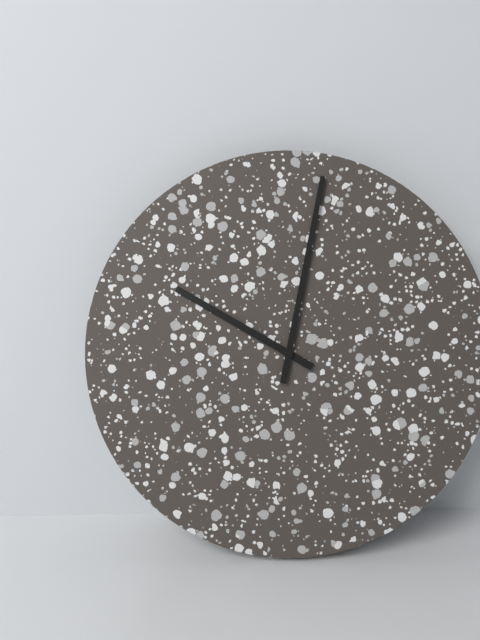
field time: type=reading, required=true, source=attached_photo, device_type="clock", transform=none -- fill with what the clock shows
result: 10:02
